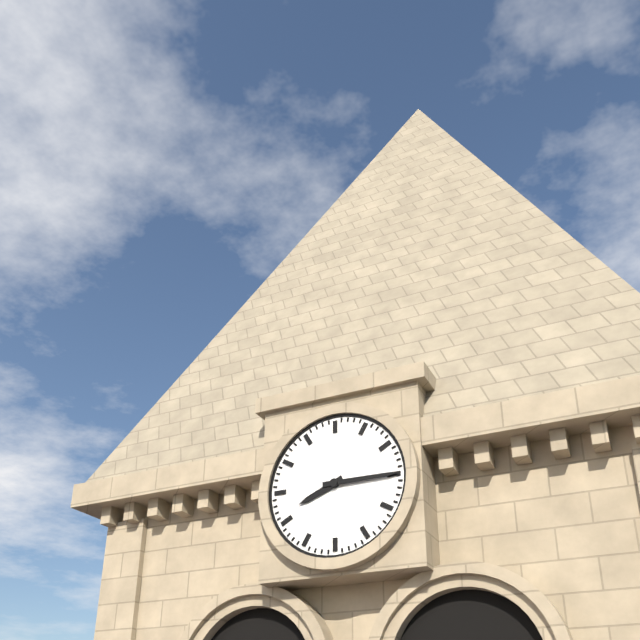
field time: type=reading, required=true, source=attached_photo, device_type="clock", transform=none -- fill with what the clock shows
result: 8:15
